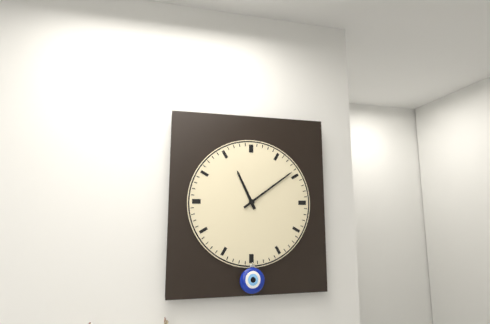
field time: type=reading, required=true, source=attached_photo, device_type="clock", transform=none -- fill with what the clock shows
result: 11:09
